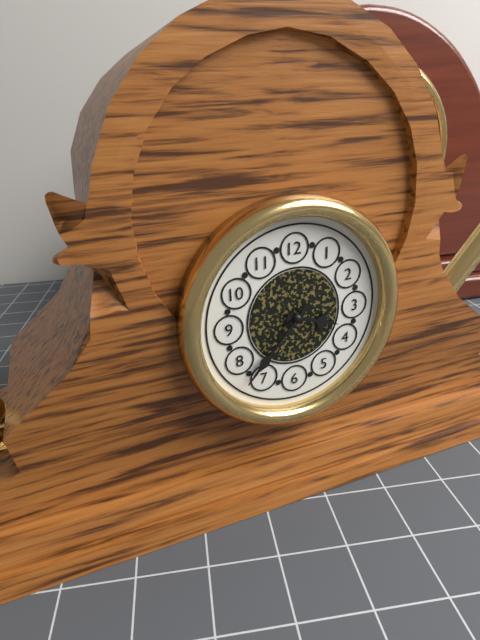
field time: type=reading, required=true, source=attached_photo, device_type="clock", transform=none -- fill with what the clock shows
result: 3:37
